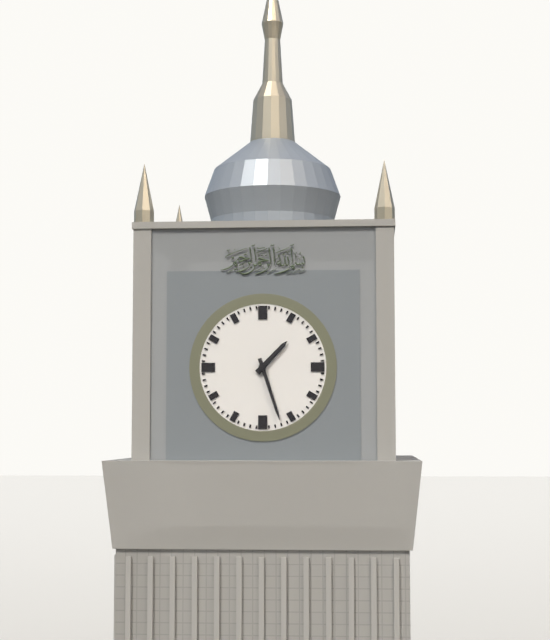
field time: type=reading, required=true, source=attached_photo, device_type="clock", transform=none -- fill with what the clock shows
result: 1:27
